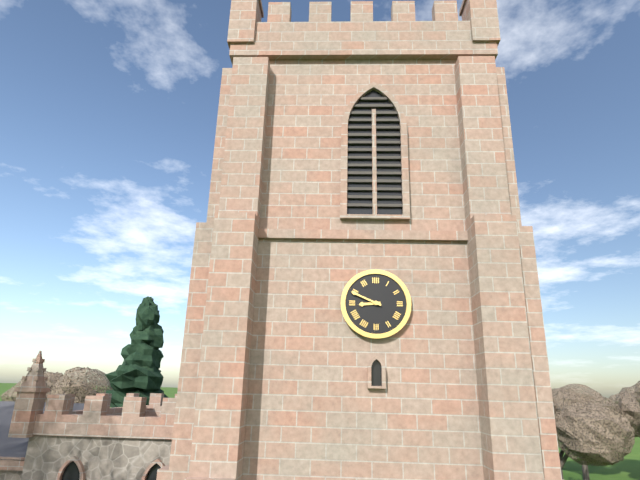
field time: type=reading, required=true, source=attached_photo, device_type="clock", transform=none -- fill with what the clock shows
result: 8:49
